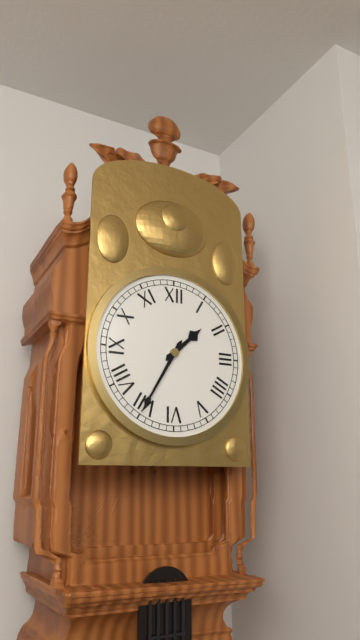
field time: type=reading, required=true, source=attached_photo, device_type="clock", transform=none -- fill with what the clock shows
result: 1:35
